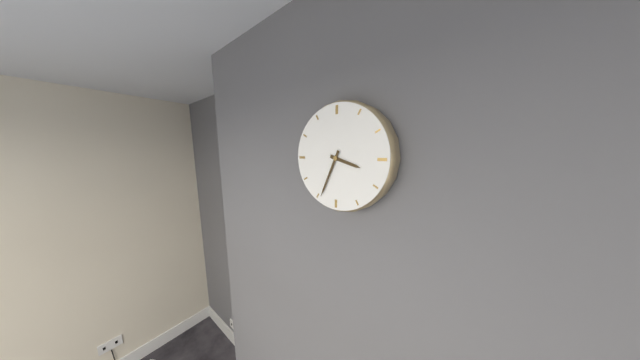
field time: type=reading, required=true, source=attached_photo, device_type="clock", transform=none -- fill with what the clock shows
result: 3:34
